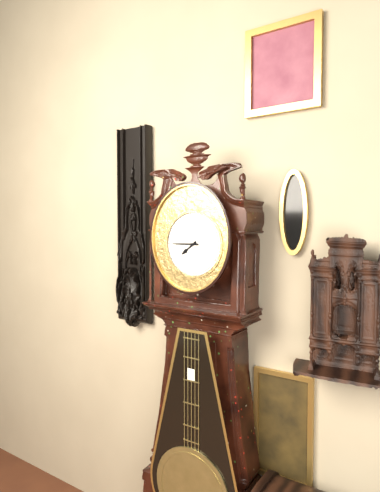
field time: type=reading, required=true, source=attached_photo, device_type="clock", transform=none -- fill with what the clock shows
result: 7:45
